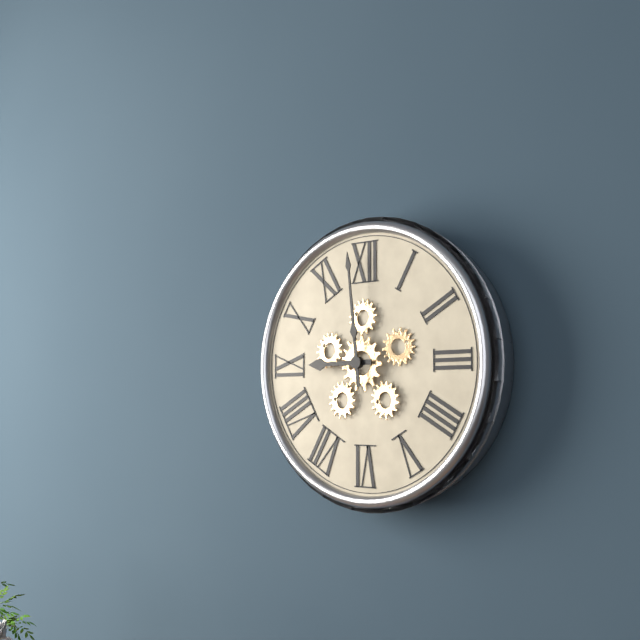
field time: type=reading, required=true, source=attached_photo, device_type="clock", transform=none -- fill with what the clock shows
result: 8:59
